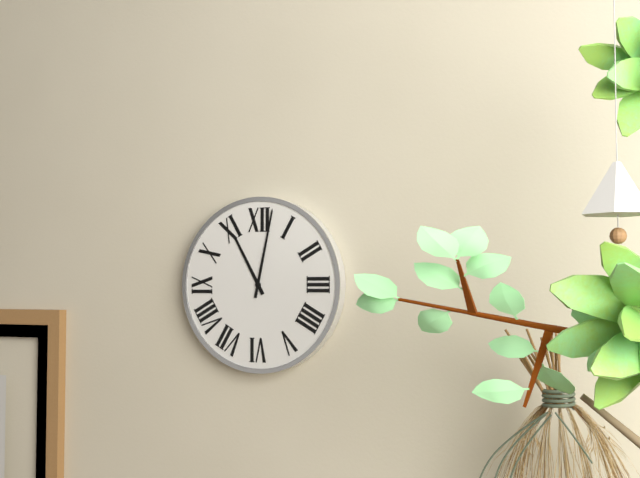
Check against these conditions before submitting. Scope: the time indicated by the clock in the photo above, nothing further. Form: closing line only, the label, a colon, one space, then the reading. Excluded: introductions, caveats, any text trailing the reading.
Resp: 11:02
